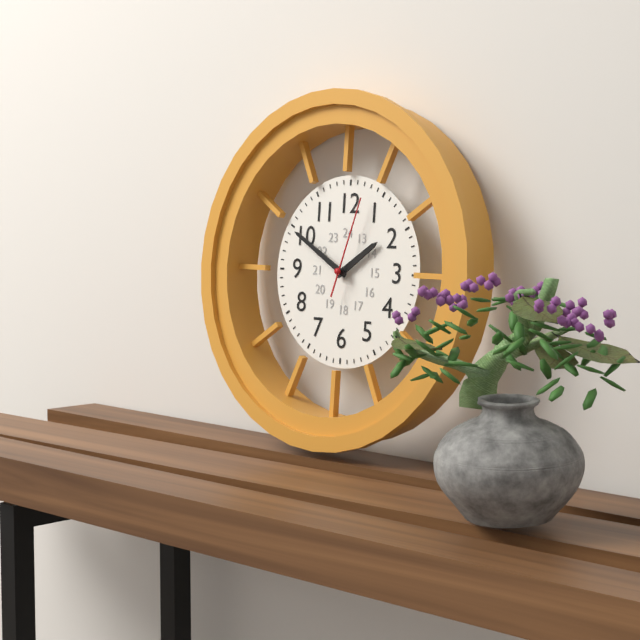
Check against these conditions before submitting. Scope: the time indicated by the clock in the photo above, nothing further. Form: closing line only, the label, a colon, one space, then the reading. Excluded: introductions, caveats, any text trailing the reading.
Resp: 1:50:03
